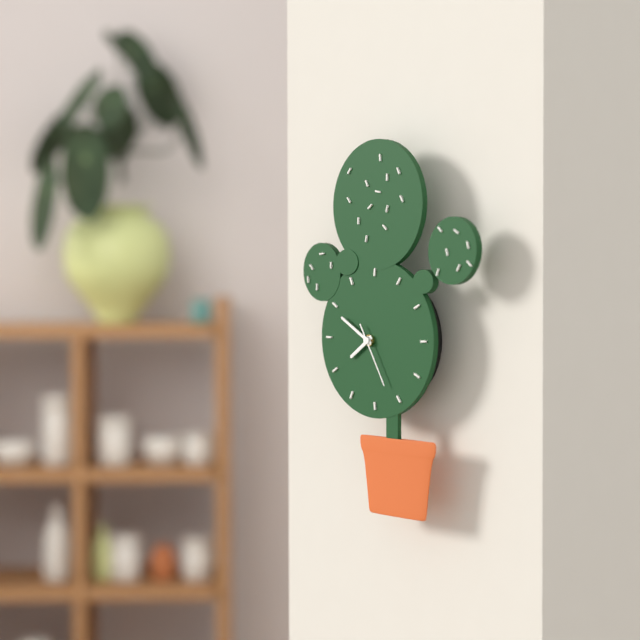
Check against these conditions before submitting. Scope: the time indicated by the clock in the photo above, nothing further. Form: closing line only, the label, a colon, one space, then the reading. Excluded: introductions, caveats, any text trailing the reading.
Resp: 7:50:25
